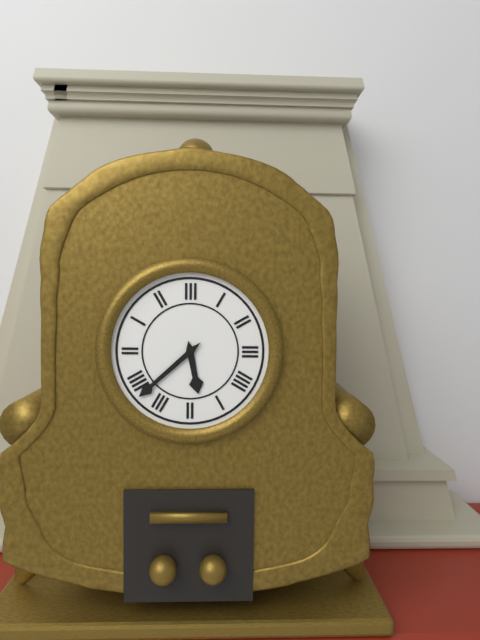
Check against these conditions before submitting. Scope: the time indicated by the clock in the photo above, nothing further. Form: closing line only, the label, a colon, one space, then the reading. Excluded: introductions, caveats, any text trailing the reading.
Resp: 5:38
